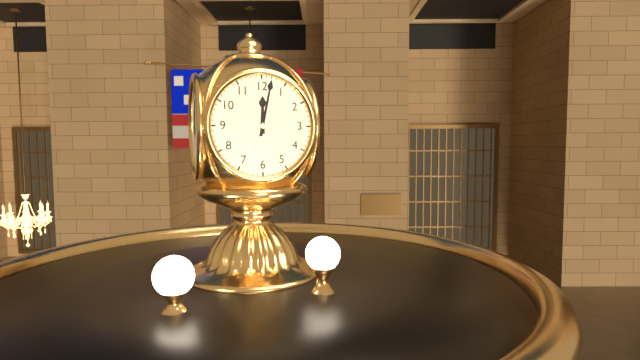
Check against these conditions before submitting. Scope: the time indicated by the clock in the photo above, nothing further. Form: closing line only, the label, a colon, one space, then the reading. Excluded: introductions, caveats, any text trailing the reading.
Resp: 12:02
